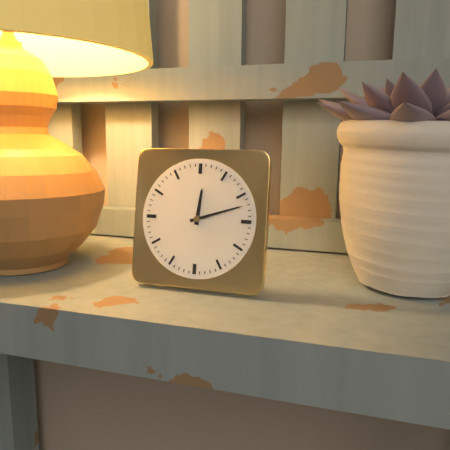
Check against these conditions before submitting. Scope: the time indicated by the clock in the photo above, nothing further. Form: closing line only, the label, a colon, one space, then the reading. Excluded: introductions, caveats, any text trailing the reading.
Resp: 12:12
